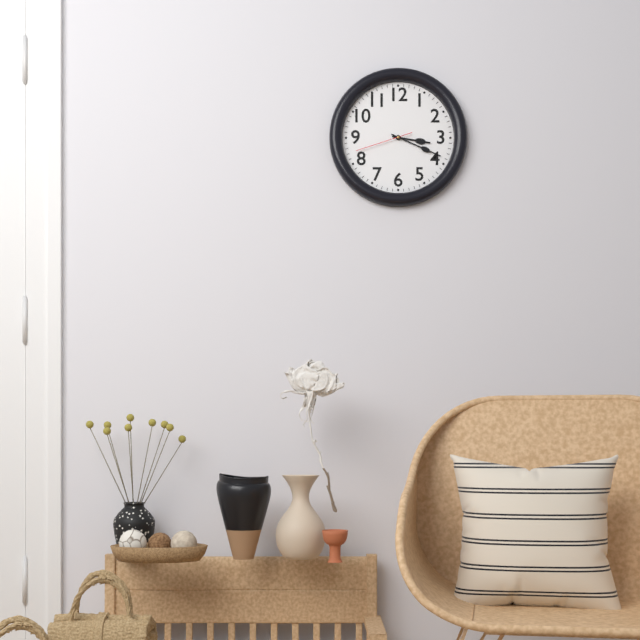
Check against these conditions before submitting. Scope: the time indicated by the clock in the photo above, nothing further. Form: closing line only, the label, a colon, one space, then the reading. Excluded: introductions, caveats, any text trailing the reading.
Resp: 3:19:42
